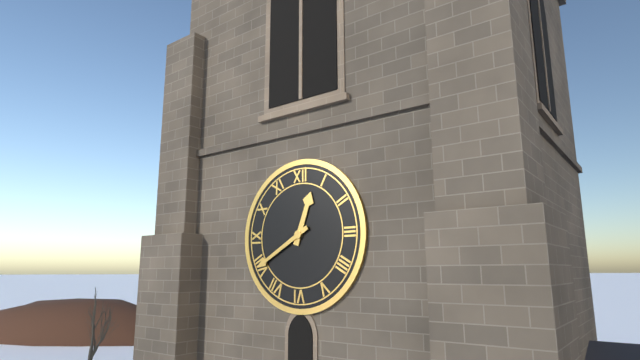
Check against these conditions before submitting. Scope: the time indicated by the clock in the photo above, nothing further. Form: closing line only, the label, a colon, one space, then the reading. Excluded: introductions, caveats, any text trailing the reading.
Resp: 12:40
